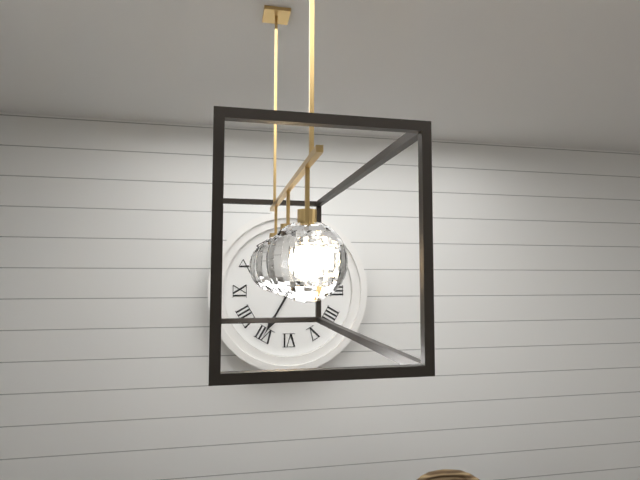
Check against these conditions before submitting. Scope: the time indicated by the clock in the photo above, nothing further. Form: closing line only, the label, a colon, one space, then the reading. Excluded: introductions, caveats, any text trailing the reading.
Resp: 1:35
